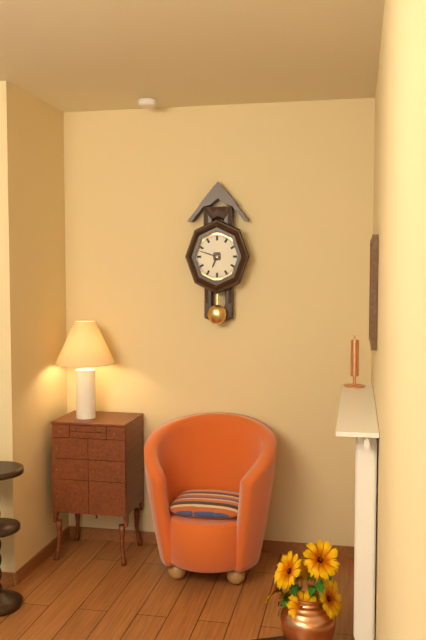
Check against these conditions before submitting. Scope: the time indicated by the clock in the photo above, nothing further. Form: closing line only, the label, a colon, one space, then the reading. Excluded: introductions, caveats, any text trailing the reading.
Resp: 6:48
